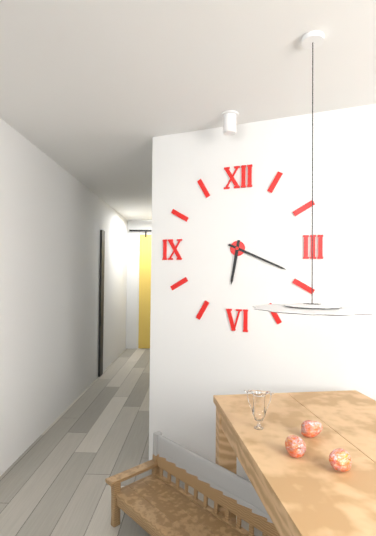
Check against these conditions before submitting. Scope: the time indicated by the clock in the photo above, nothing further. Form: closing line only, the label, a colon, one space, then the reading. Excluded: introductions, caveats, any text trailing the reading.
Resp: 6:19
